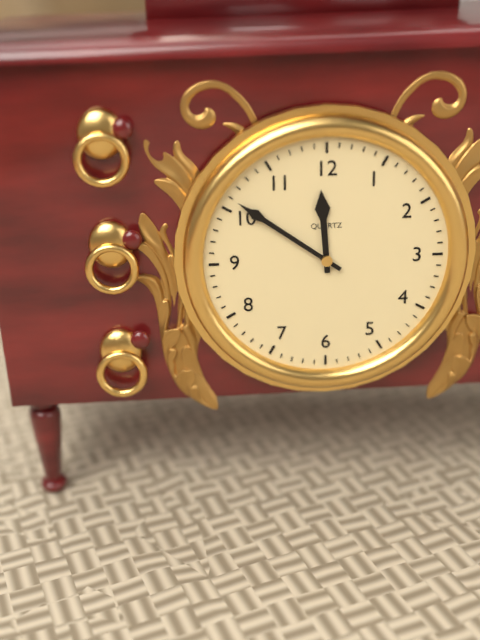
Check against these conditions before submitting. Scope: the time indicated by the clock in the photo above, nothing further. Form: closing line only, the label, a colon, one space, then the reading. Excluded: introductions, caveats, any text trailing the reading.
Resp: 11:51
